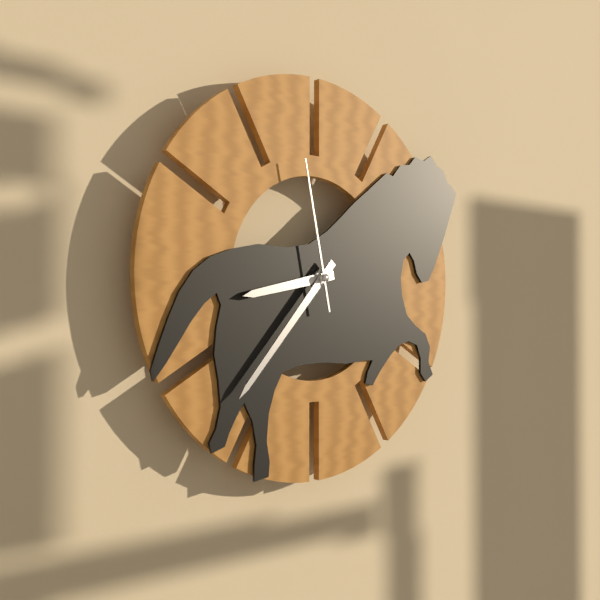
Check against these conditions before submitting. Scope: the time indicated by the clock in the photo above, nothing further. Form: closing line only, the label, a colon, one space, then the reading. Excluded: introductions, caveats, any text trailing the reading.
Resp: 8:37:58
